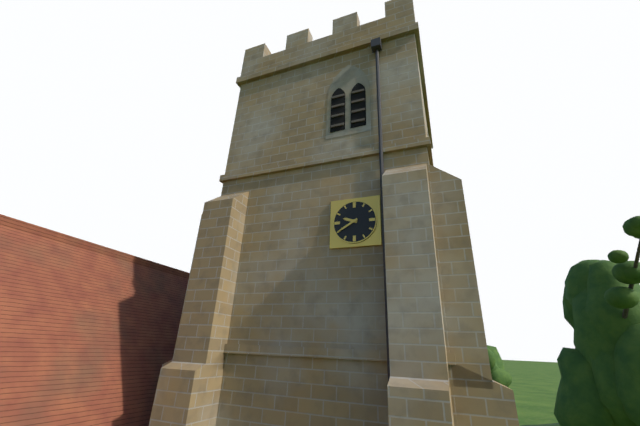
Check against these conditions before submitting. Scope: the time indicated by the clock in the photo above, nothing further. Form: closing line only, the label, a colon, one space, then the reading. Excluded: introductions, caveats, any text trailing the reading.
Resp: 9:40
